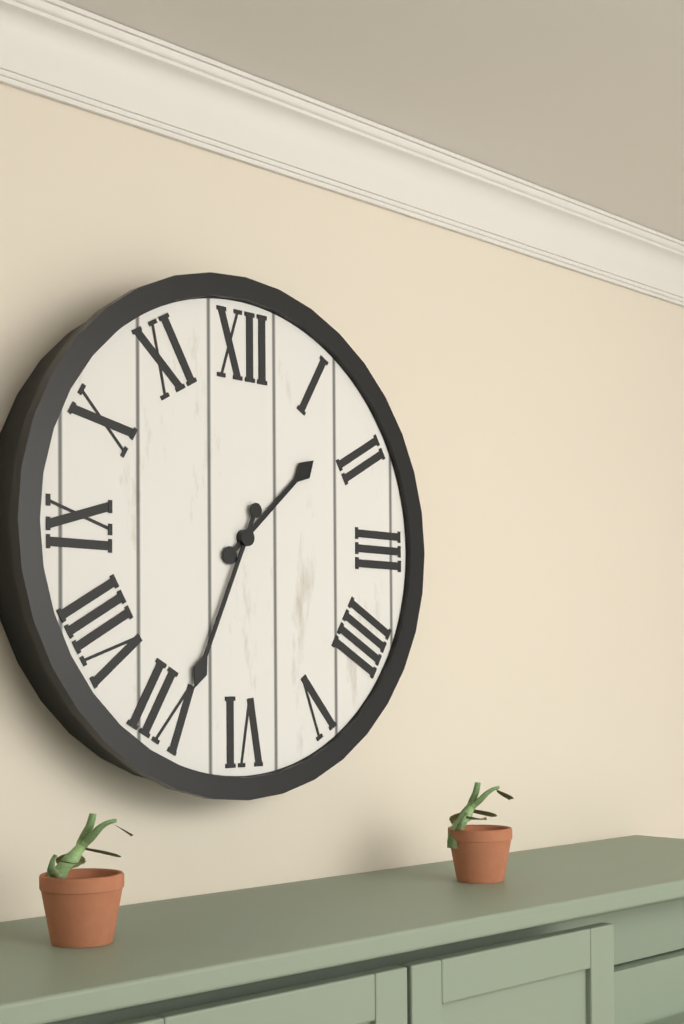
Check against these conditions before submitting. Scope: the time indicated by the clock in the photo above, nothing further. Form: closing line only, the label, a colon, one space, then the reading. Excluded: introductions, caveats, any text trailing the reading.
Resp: 1:34
